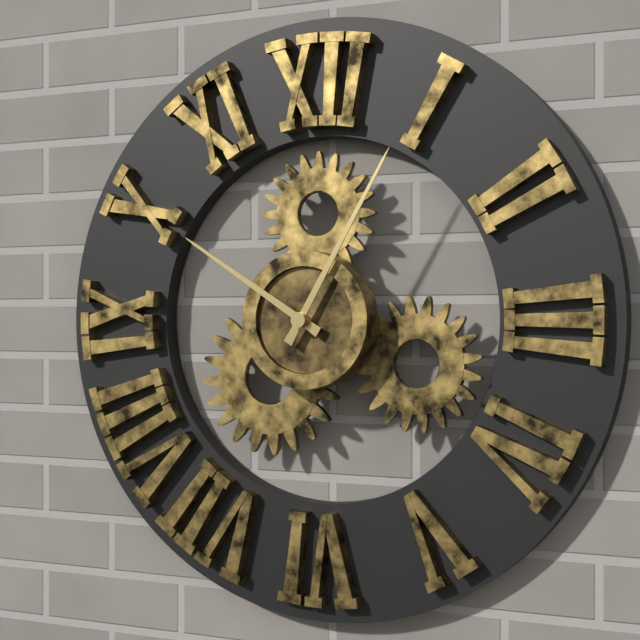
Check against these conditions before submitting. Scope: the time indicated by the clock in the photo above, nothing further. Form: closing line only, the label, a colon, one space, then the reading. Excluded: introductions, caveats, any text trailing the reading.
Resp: 10:05
